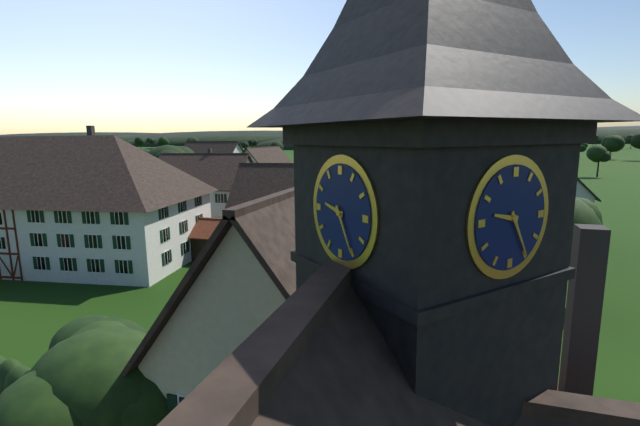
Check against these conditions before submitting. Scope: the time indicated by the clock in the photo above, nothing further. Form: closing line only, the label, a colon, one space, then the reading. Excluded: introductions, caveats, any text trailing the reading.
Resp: 9:25
